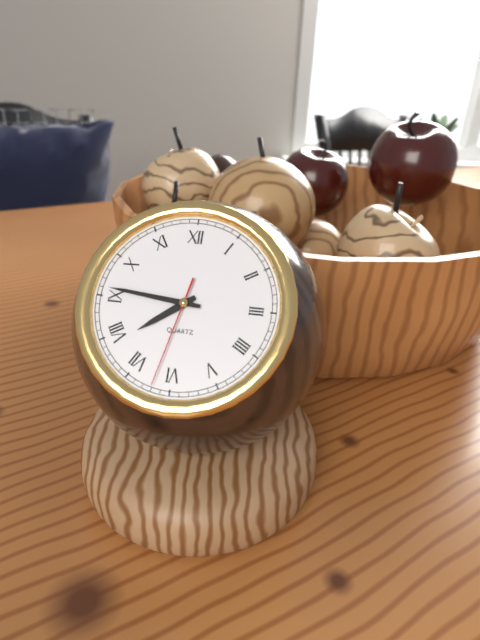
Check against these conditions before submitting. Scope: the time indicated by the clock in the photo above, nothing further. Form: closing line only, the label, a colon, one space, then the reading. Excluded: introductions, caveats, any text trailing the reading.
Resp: 7:46:32
